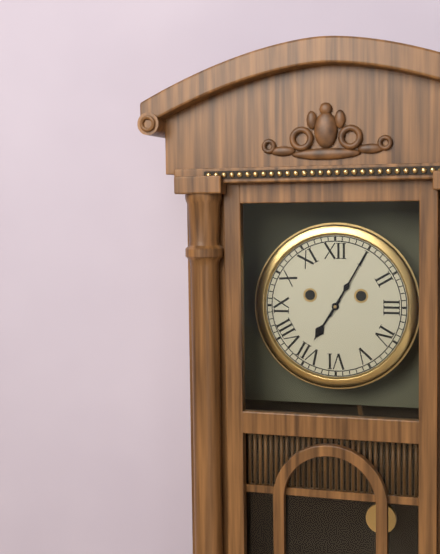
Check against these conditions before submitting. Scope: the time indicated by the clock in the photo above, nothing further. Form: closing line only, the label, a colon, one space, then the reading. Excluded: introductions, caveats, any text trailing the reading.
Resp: 7:05
